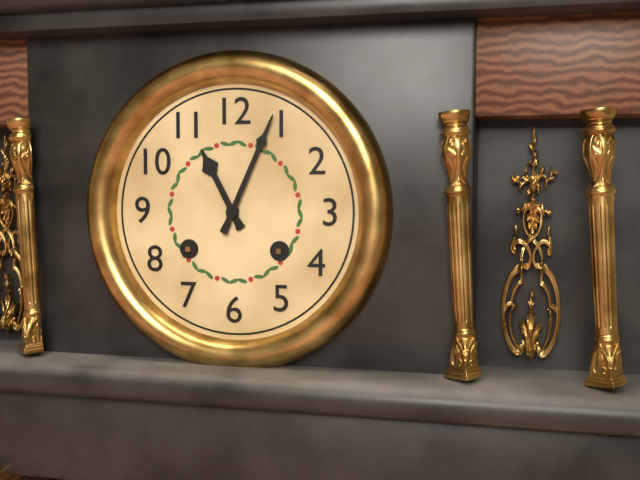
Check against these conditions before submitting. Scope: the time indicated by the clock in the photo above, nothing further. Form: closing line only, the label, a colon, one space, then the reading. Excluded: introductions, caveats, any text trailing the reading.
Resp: 11:04
